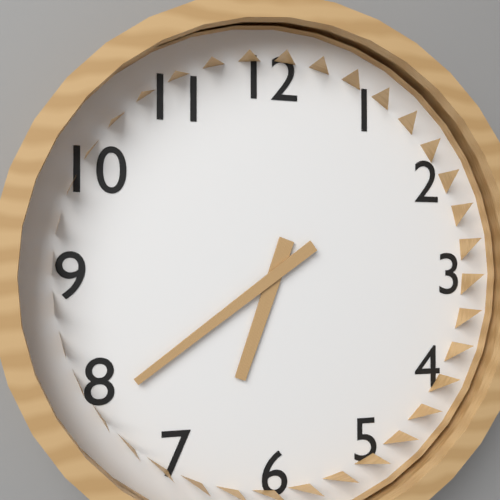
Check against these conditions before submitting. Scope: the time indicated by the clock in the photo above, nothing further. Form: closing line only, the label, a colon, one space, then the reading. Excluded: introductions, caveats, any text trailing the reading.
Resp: 6:39
